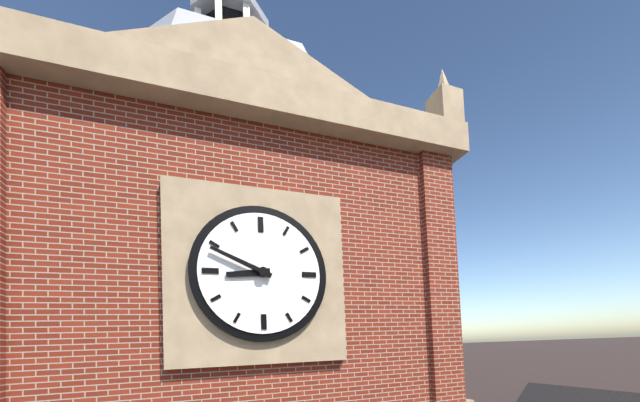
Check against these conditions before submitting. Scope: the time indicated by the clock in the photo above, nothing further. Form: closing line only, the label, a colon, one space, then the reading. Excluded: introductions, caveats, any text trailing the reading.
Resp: 8:49
